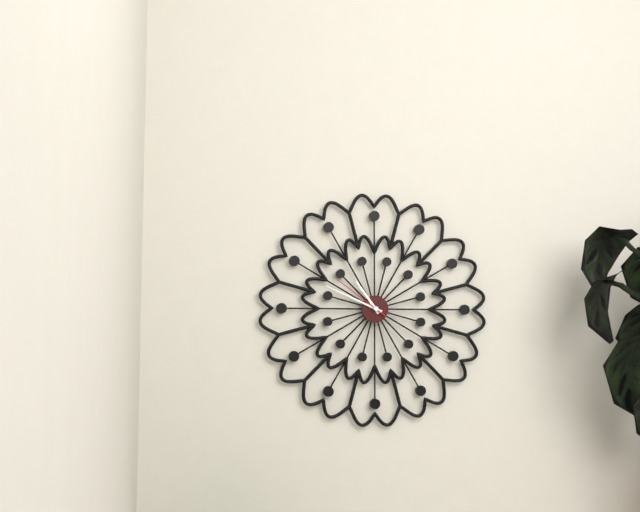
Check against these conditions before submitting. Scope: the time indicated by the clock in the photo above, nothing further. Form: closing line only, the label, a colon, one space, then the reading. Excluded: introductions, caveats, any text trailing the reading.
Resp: 10:49:51
